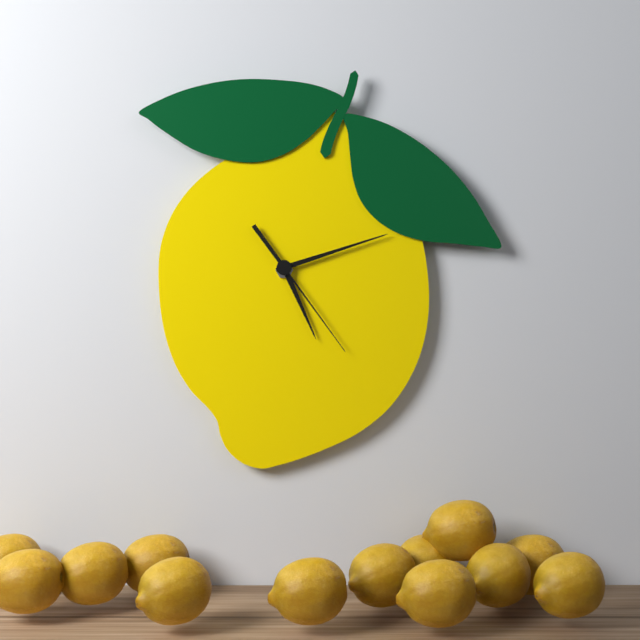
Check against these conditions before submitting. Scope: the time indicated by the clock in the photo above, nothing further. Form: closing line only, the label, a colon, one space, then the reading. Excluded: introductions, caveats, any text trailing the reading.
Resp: 5:12:24
